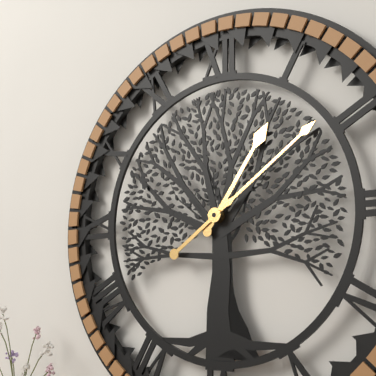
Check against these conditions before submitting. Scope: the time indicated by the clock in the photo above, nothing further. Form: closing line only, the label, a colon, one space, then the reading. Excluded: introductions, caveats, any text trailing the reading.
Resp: 1:09
